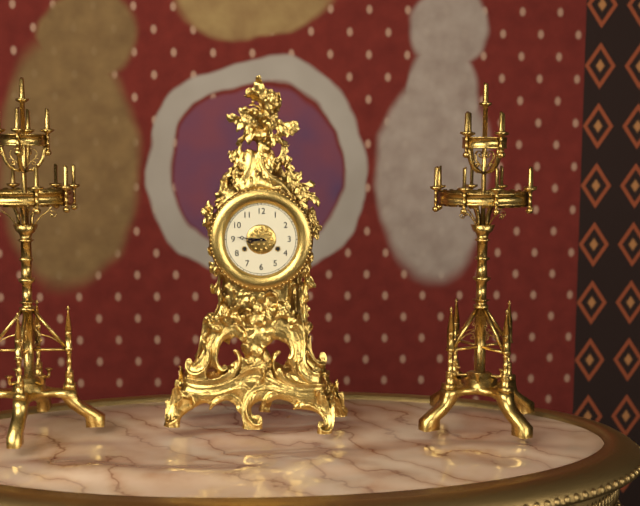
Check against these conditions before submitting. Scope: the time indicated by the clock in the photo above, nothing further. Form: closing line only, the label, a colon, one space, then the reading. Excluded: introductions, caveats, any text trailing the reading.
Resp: 8:46
